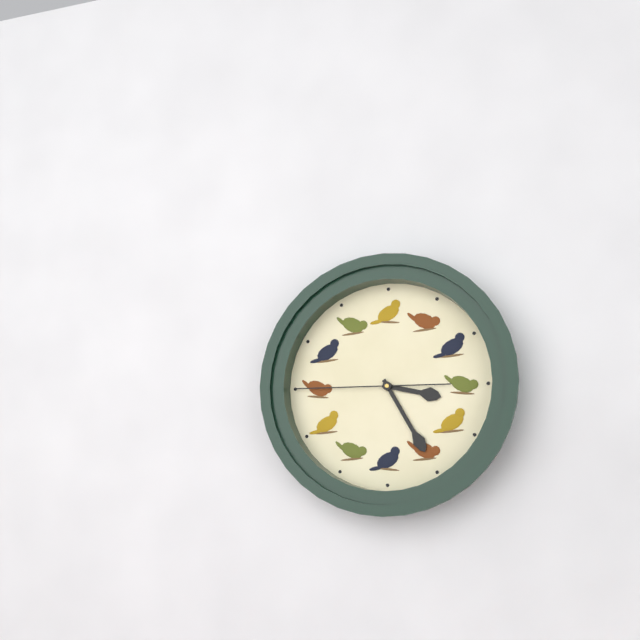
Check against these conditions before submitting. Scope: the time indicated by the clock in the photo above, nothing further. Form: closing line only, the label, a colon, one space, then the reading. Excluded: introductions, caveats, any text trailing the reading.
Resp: 3:25:45
